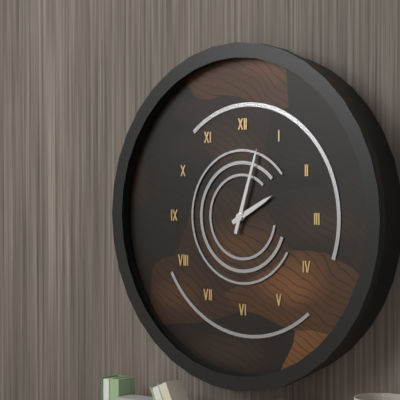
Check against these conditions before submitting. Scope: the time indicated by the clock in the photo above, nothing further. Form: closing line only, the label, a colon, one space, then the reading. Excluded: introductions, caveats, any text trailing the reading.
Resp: 2:03
